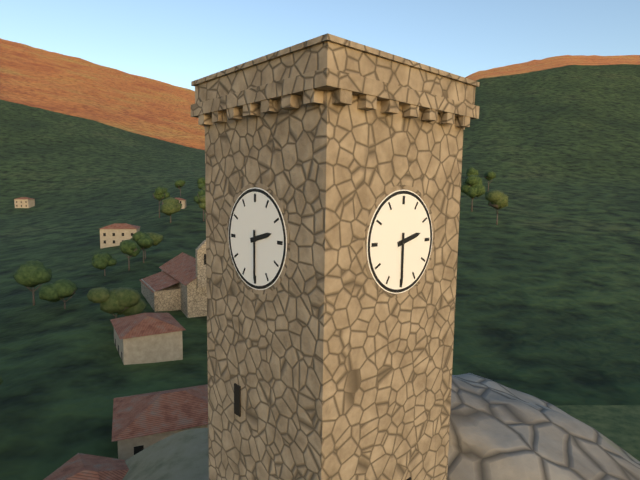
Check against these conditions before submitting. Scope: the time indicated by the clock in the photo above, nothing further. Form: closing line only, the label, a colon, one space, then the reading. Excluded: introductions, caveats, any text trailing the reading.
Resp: 2:30
